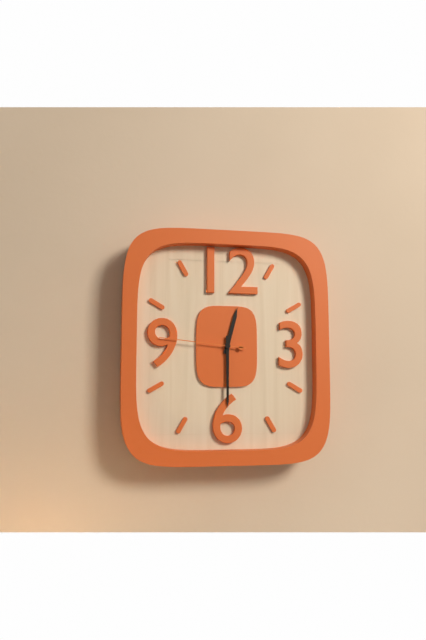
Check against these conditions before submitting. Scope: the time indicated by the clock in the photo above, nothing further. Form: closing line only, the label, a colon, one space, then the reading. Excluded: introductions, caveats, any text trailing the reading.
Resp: 12:30:46
